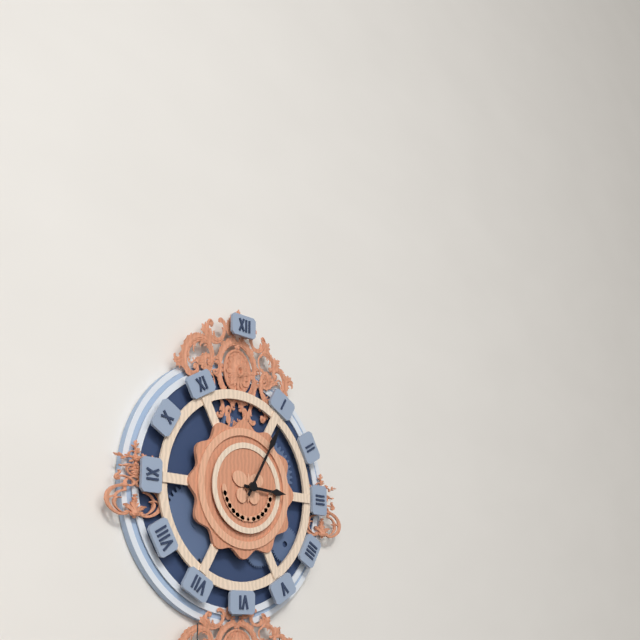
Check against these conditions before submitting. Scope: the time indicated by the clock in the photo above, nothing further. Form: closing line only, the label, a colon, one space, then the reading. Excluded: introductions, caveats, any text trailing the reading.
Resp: 3:05
